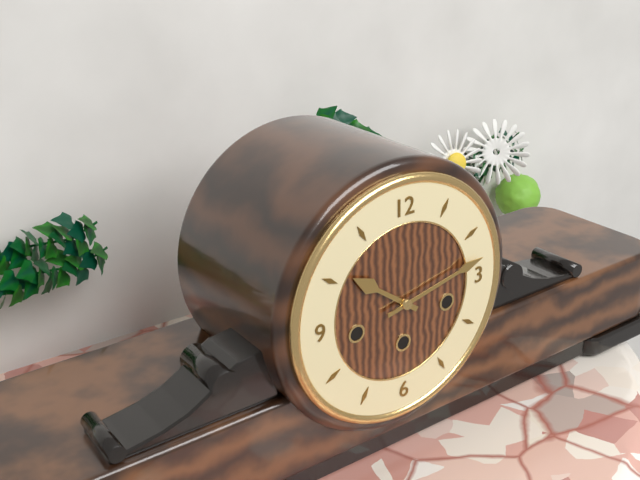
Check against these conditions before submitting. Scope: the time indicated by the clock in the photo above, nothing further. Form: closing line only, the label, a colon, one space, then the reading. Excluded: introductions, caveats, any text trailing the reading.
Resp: 10:13
